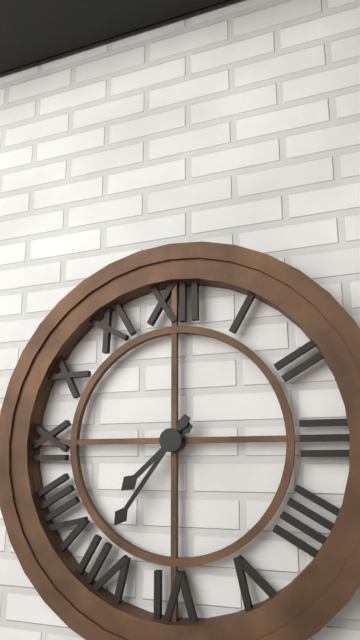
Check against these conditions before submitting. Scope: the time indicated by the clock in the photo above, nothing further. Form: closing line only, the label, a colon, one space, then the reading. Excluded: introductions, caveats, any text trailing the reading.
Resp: 7:36
